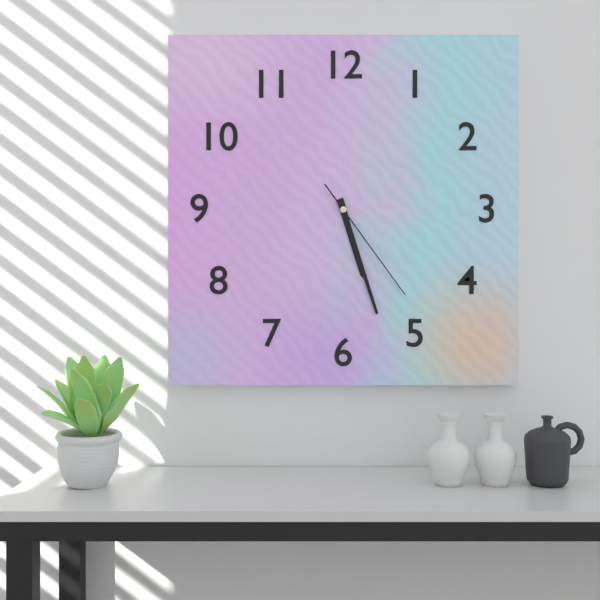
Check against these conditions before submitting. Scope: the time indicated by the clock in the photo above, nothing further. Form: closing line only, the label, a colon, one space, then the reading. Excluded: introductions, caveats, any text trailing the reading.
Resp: 5:27:24
